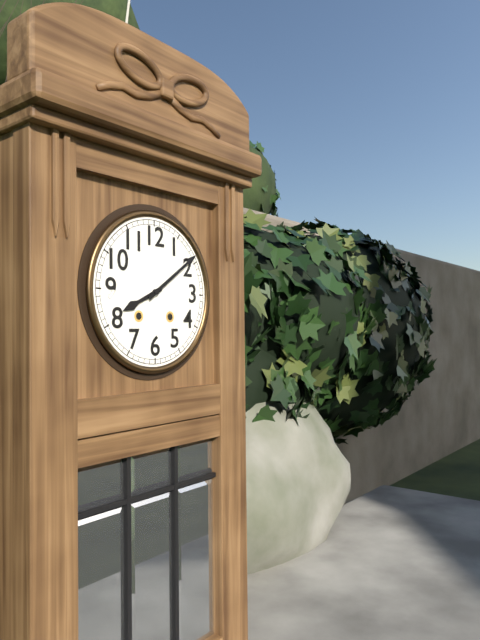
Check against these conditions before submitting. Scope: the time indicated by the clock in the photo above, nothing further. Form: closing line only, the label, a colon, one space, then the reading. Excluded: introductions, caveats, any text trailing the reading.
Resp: 8:09
